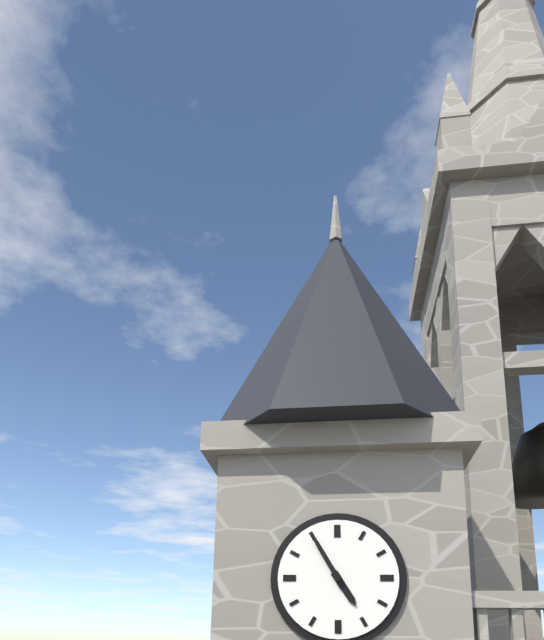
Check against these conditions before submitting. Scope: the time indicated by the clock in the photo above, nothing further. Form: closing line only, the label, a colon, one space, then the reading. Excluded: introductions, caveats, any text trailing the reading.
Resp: 4:55
